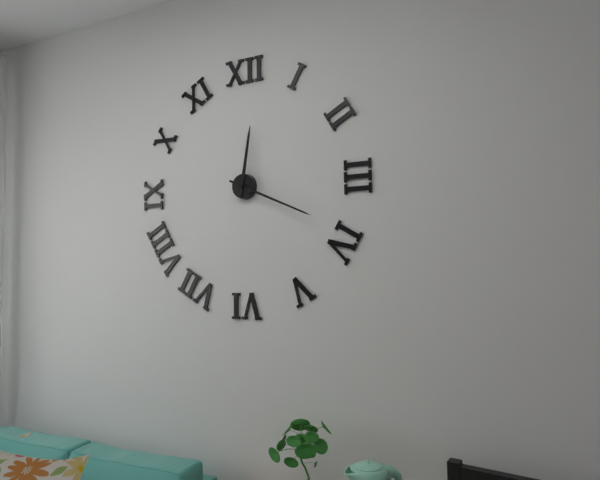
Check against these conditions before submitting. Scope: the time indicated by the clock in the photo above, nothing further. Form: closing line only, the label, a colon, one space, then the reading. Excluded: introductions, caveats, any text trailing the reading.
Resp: 12:19
